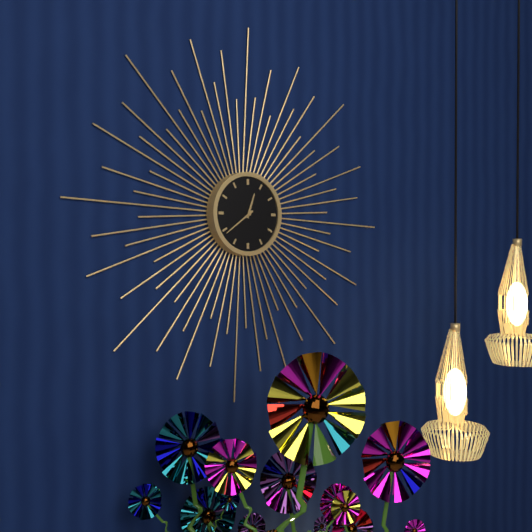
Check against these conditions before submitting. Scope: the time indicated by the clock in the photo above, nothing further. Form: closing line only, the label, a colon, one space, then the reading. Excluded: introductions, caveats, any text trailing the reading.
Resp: 12:39
